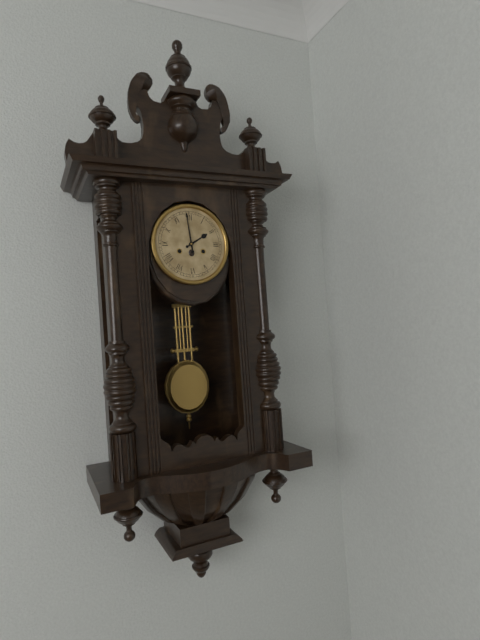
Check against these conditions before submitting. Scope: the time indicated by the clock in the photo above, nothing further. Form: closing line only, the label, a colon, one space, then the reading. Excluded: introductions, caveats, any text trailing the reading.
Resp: 1:59
